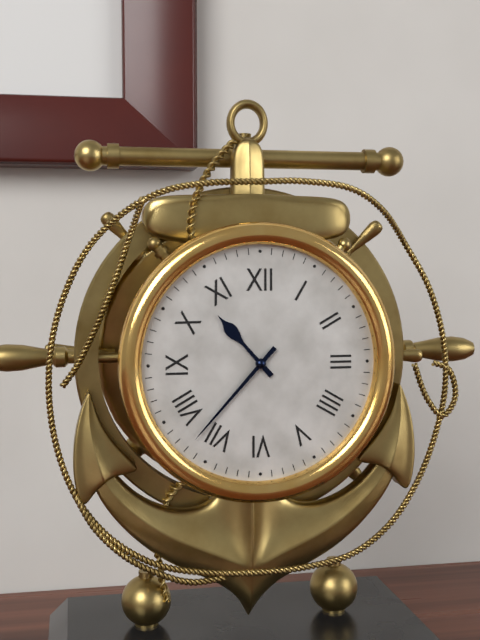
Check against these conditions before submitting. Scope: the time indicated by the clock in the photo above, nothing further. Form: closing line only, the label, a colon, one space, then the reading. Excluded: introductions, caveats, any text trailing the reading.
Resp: 10:37
